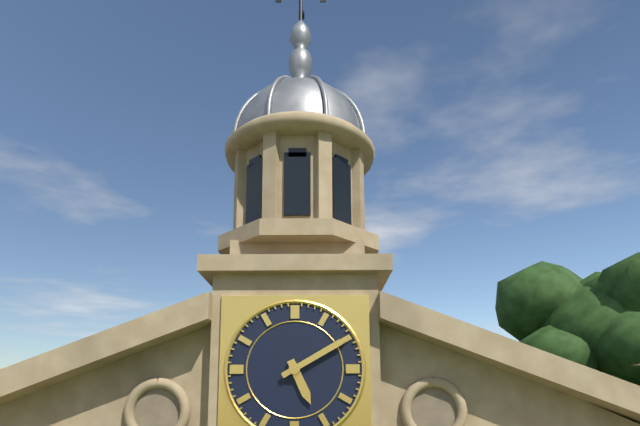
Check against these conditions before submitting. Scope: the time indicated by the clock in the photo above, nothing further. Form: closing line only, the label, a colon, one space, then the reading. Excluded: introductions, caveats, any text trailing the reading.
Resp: 5:10
